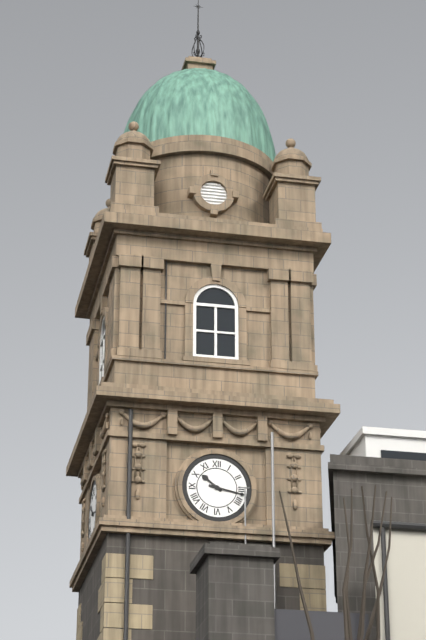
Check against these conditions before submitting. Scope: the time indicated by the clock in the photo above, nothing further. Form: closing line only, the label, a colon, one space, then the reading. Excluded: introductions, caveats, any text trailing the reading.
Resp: 10:17
